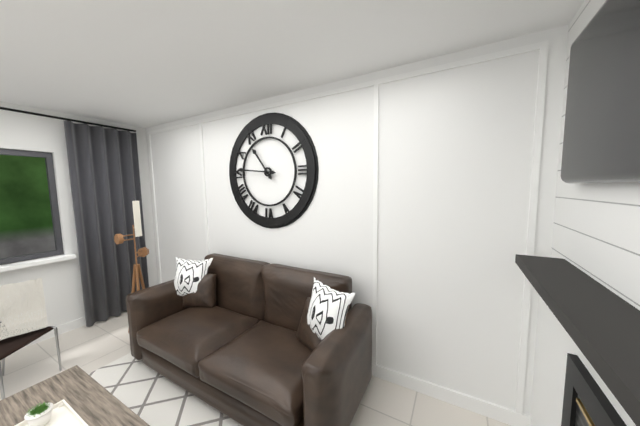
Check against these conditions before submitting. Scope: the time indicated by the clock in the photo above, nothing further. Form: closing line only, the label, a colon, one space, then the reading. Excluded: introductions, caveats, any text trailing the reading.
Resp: 10:46
